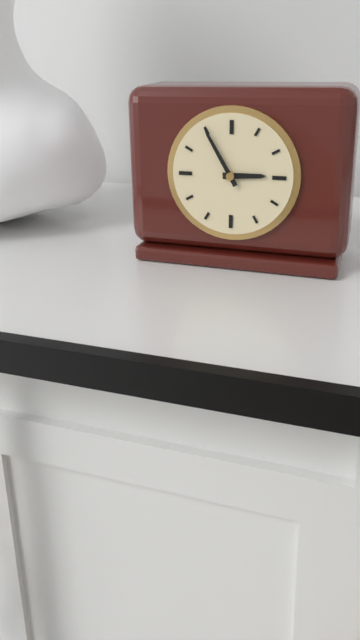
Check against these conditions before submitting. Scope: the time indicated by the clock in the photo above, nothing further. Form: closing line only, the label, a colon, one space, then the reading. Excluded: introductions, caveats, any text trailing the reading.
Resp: 2:55
